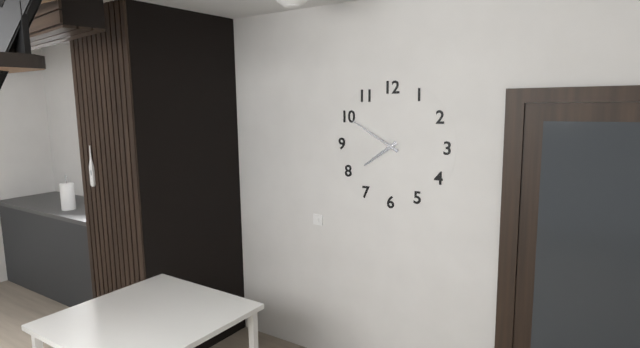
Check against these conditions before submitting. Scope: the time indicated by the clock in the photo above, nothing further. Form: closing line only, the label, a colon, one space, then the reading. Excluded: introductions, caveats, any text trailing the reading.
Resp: 7:50
